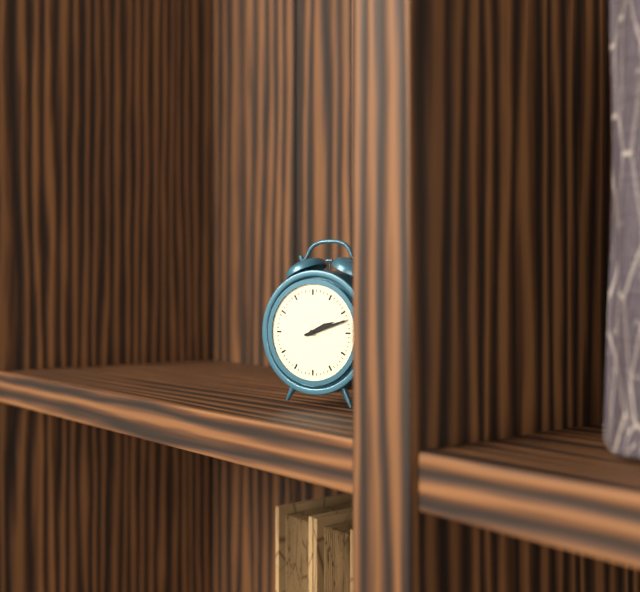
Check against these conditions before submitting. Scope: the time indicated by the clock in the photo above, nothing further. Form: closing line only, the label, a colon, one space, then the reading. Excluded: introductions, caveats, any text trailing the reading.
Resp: 2:12
